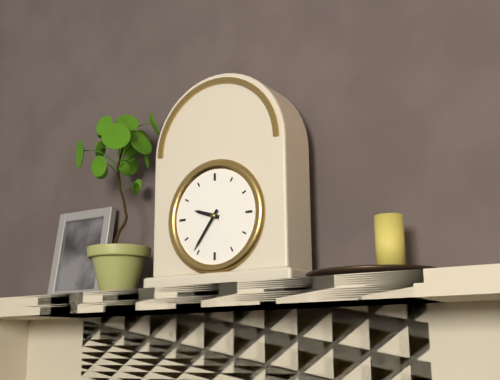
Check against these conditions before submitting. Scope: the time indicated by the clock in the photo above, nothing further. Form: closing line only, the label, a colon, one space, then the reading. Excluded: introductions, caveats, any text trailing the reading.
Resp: 9:36
